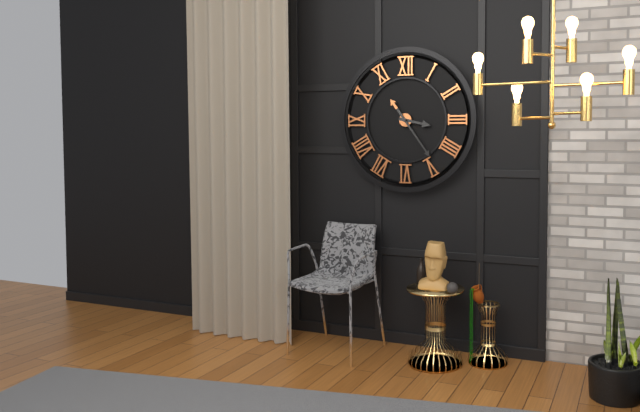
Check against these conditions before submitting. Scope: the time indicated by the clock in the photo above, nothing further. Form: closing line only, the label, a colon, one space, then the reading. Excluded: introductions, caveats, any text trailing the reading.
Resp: 3:24
